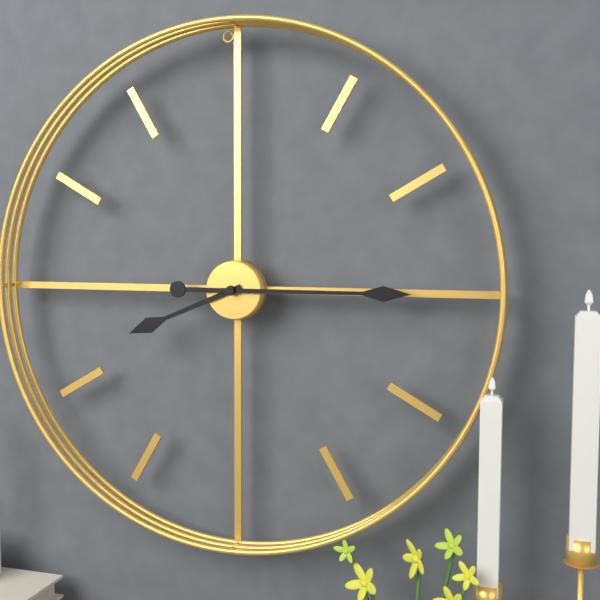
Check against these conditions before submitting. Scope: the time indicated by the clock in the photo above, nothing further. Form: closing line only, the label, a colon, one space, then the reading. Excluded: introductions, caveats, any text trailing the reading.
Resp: 8:15
